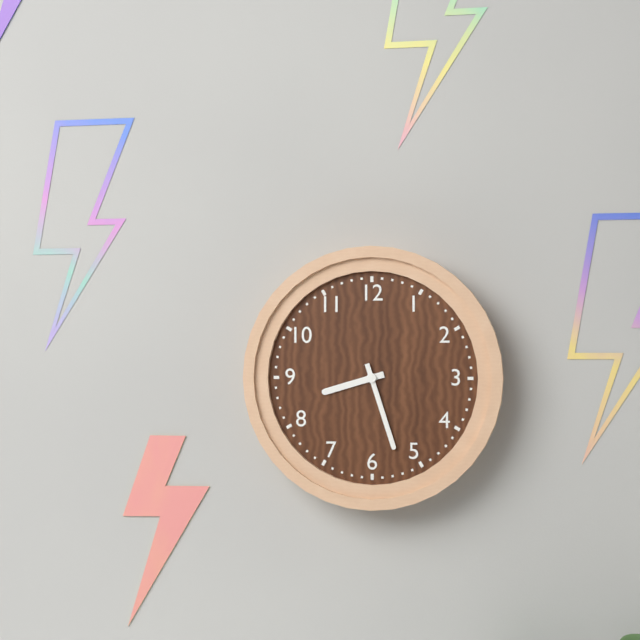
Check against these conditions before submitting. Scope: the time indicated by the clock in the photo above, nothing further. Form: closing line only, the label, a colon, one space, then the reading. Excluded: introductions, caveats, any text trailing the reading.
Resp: 8:27
